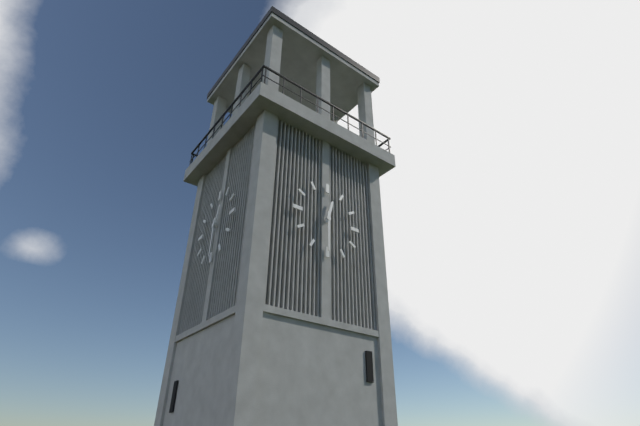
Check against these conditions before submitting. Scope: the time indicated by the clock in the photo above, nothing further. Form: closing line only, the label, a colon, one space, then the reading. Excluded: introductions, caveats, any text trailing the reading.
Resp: 12:30
